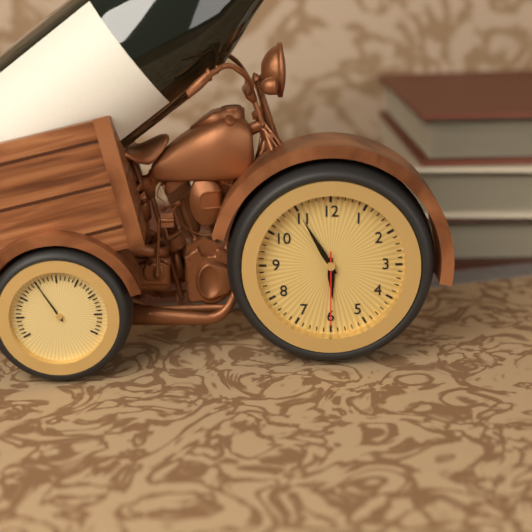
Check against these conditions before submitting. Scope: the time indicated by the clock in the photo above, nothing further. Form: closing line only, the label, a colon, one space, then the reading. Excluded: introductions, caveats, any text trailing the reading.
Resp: 5:55:30
